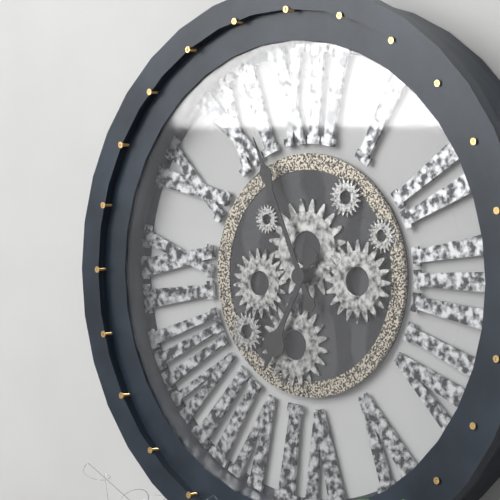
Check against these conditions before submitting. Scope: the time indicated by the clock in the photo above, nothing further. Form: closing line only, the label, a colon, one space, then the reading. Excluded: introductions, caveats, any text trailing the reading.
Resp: 6:56
